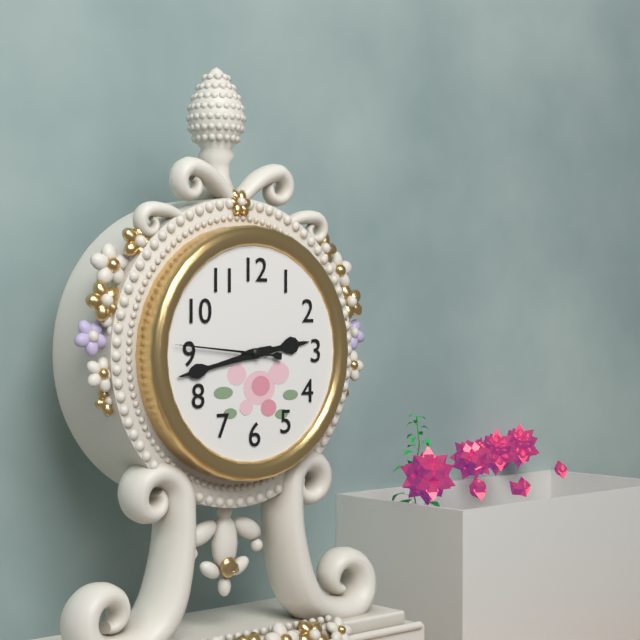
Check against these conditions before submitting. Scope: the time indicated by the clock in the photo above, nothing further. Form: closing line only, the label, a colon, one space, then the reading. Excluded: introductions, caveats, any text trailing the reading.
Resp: 2:43:46
